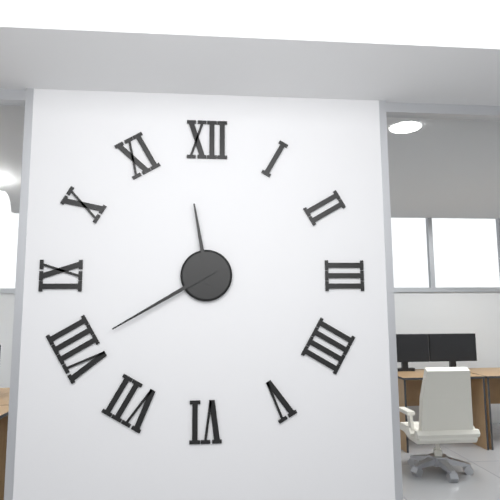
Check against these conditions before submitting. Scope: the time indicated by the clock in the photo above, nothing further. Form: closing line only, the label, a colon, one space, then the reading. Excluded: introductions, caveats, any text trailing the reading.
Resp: 11:40
